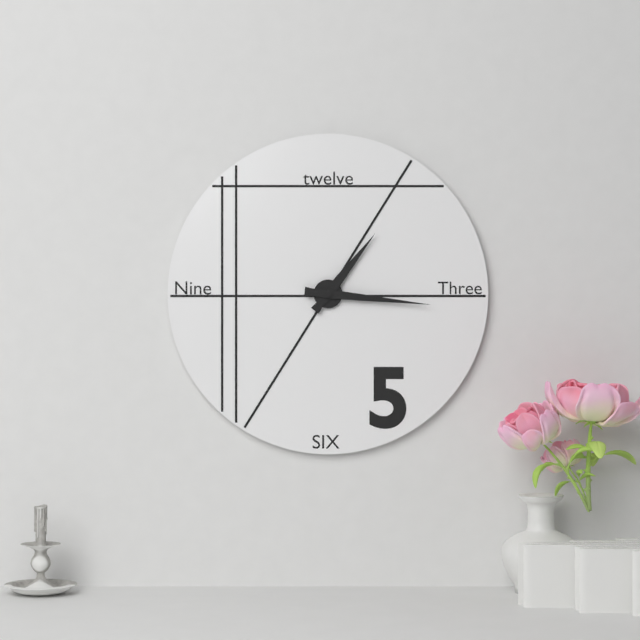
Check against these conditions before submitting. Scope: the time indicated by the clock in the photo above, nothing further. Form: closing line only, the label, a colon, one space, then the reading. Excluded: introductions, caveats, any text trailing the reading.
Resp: 1:16
